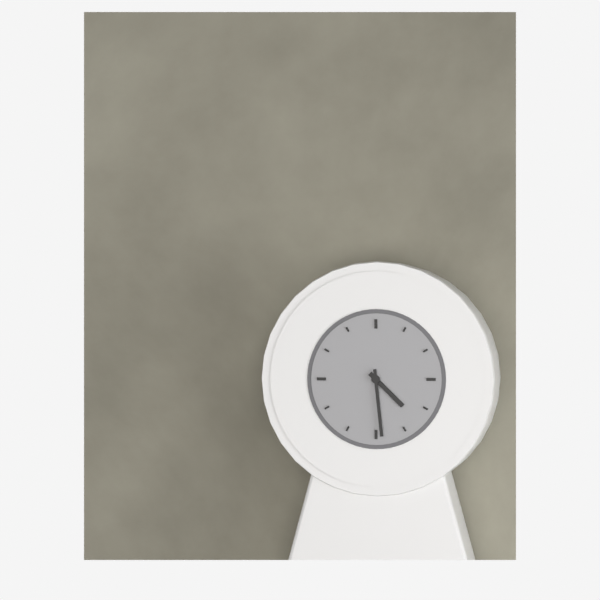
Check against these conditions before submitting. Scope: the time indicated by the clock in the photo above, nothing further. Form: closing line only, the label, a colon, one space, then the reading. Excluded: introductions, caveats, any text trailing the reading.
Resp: 4:29
